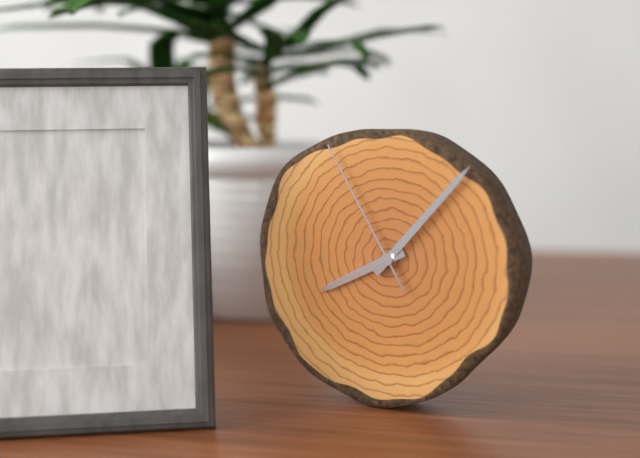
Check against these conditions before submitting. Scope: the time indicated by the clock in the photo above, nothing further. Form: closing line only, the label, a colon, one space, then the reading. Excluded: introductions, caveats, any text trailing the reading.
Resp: 8:07:55
